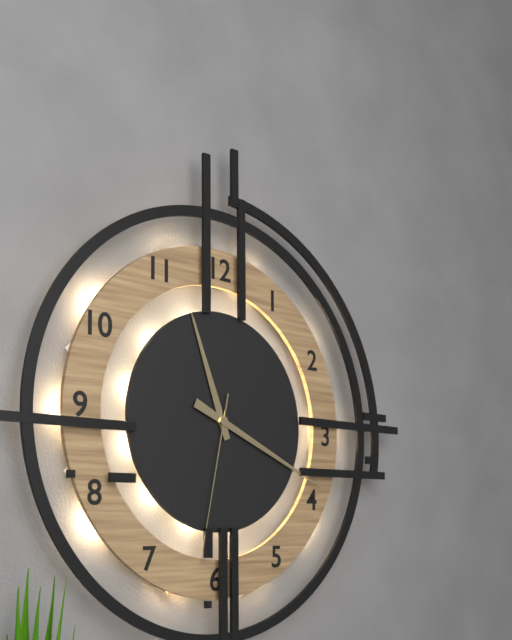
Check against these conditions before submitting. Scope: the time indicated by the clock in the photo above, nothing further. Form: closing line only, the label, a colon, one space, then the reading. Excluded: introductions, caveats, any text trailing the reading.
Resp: 11:19:32
